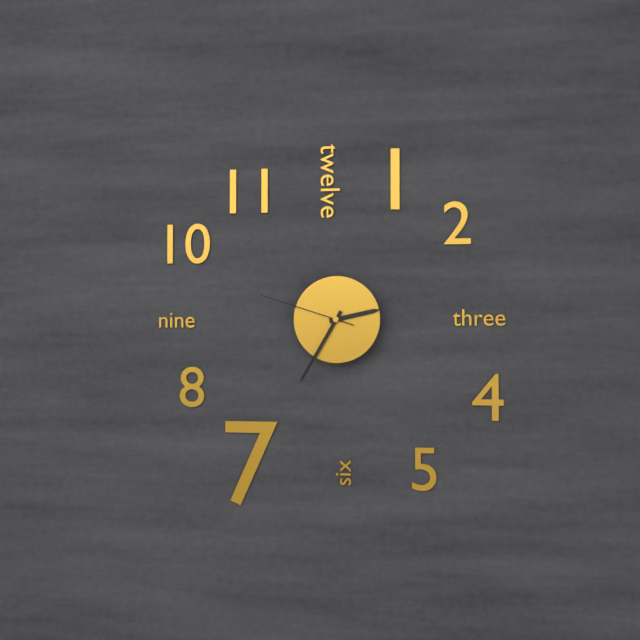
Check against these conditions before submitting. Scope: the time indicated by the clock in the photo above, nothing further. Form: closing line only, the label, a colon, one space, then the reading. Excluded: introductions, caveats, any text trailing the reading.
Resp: 2:35:48
